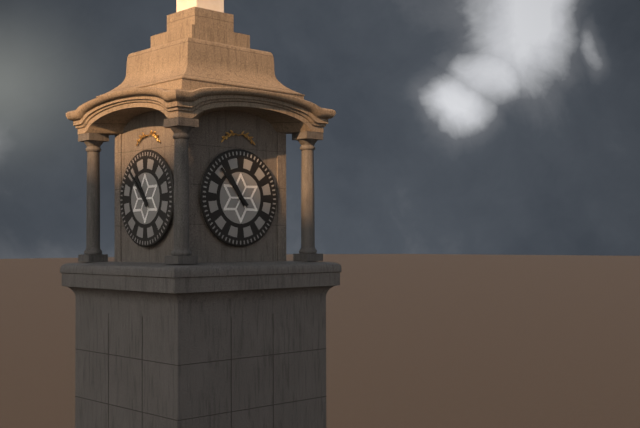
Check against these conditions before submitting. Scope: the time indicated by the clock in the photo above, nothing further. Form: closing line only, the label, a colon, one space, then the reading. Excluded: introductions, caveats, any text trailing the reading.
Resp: 10:53
